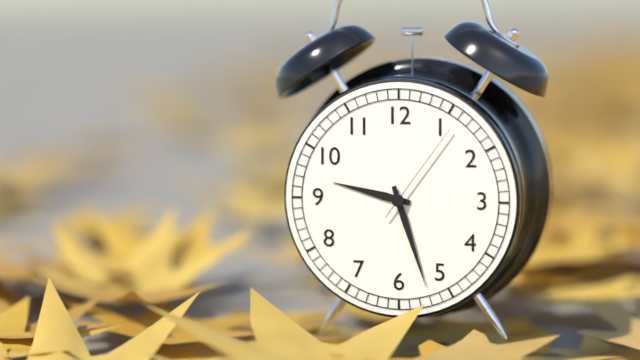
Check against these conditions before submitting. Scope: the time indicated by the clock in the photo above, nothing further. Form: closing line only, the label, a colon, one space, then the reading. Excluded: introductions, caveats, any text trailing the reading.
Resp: 9:27:06
